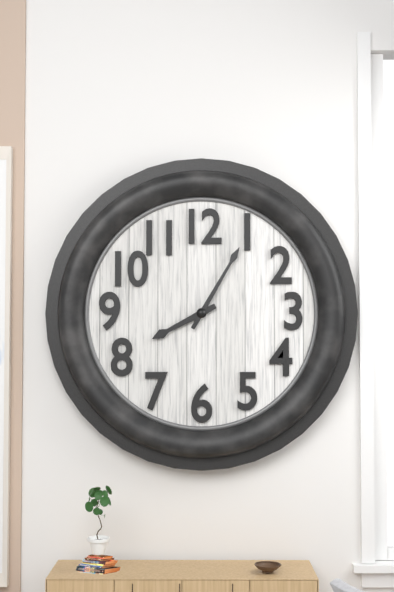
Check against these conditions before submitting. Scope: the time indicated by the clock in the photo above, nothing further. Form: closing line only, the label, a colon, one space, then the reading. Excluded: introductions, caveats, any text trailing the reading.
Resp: 8:05
